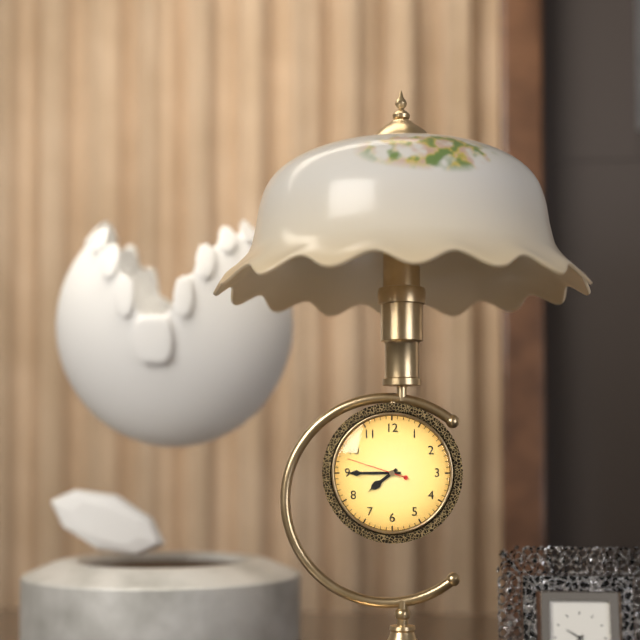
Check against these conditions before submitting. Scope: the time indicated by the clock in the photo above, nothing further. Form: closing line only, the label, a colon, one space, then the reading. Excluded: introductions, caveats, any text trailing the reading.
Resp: 7:45:48
